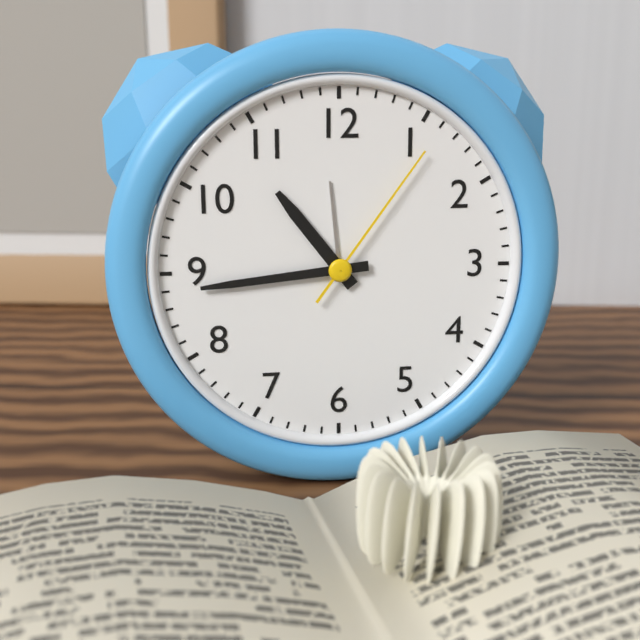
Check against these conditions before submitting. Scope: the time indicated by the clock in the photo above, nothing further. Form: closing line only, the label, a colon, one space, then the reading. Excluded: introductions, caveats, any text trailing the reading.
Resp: 10:44:06
